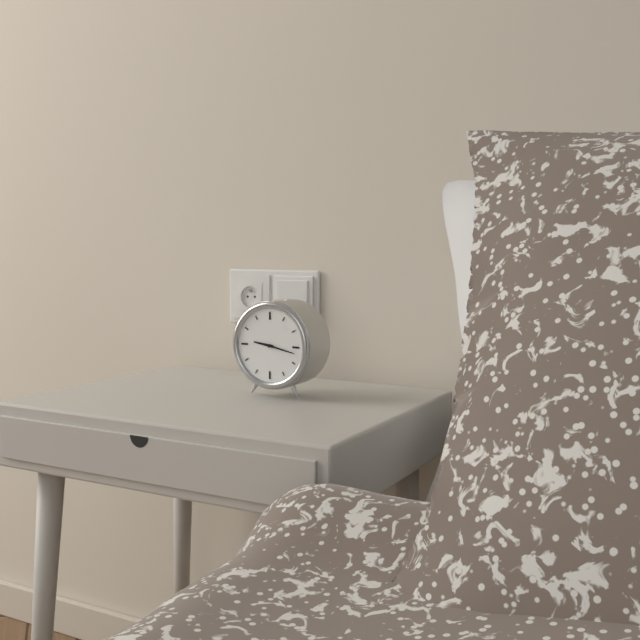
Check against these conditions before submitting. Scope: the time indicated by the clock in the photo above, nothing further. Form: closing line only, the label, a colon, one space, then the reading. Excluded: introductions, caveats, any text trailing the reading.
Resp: 9:17
